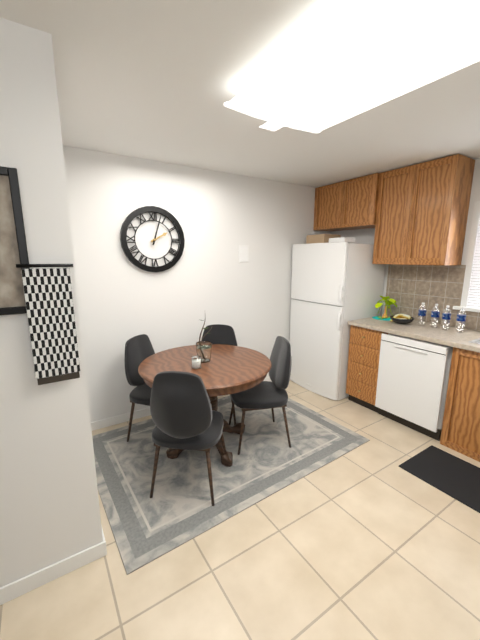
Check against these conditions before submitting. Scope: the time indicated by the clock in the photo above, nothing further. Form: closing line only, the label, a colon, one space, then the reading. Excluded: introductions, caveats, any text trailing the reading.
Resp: 2:03
